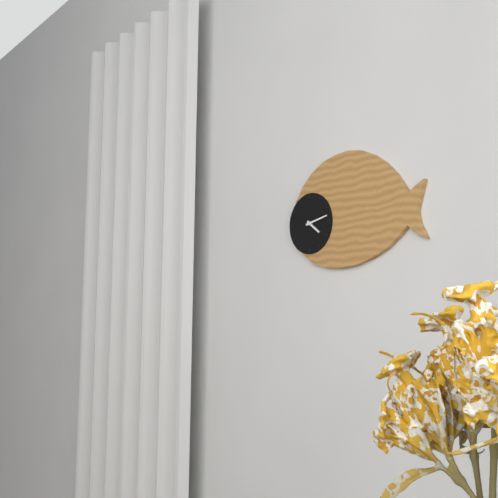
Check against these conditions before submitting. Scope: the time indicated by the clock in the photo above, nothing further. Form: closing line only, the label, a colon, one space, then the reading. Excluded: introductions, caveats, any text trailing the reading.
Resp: 4:13
